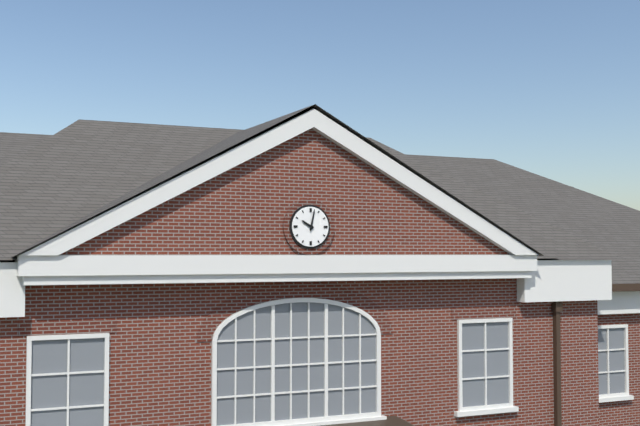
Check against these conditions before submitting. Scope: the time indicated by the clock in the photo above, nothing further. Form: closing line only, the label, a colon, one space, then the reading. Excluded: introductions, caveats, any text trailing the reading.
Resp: 10:02
